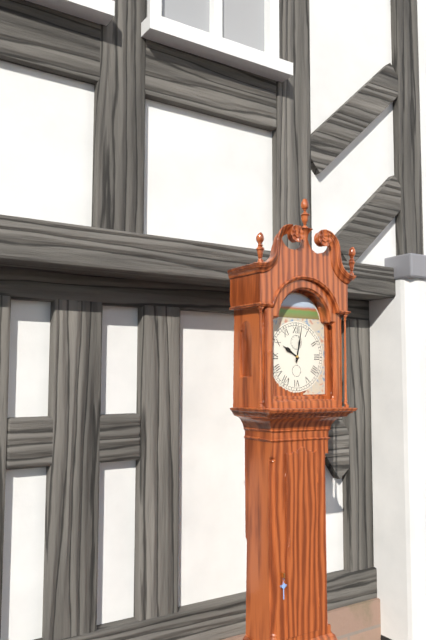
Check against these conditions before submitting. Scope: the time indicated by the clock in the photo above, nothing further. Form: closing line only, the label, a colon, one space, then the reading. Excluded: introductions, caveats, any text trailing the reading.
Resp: 10:02
